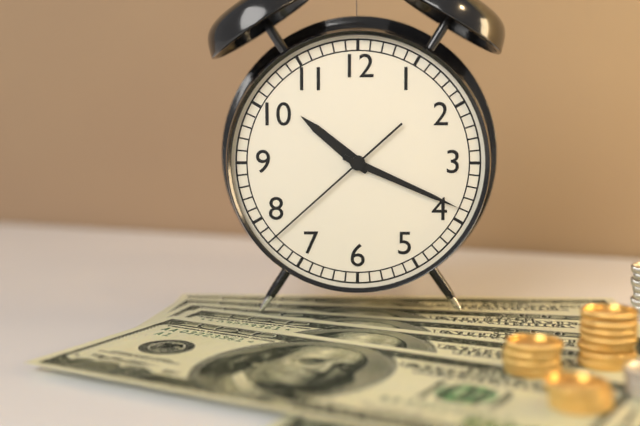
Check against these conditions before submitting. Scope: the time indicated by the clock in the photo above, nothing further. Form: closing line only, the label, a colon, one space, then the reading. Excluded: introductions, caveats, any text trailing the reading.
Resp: 10:19:38
